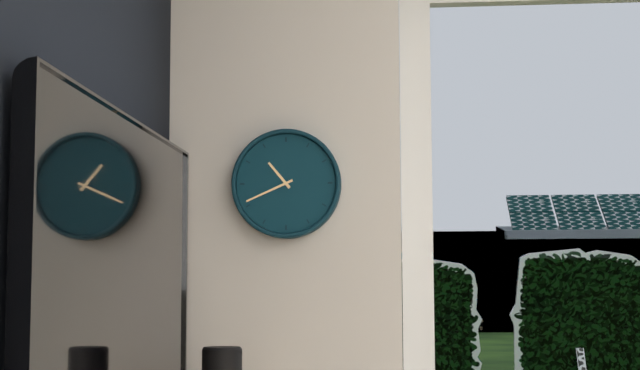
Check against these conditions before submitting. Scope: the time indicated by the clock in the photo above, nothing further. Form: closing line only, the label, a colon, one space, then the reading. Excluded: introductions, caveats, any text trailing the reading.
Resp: 10:41
